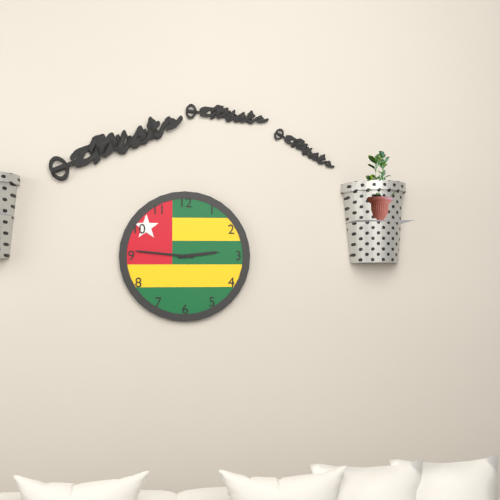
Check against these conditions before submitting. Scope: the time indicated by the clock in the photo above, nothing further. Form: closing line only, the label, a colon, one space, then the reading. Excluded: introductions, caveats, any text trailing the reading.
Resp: 2:46
